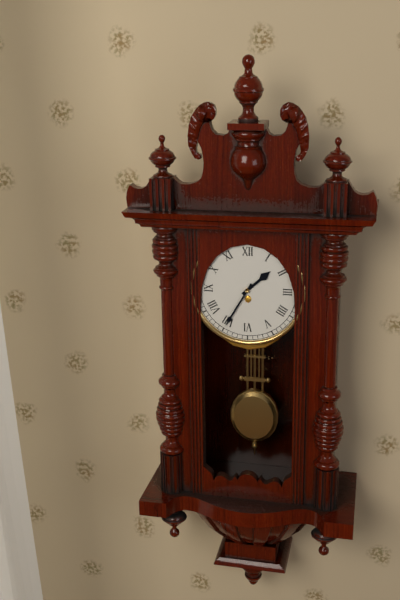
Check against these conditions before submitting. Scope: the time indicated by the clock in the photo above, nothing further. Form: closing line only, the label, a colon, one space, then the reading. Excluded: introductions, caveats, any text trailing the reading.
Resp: 1:35
